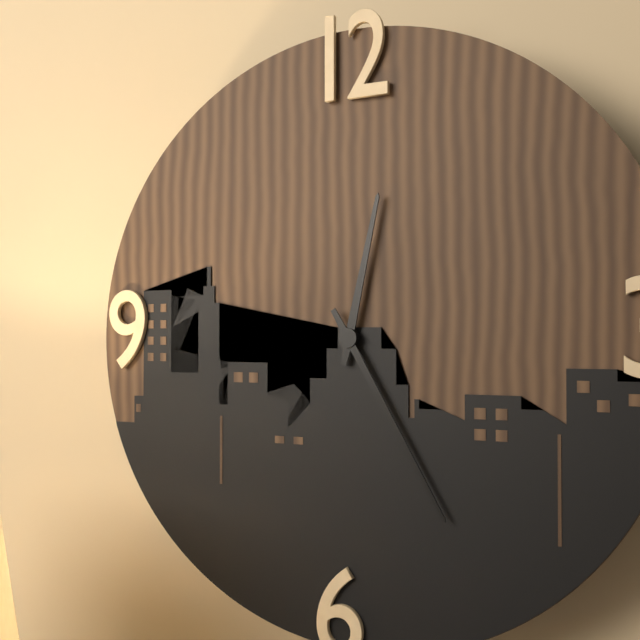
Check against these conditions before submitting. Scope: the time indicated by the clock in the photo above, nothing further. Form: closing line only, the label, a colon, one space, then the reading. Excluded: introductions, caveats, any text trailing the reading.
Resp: 12:25
